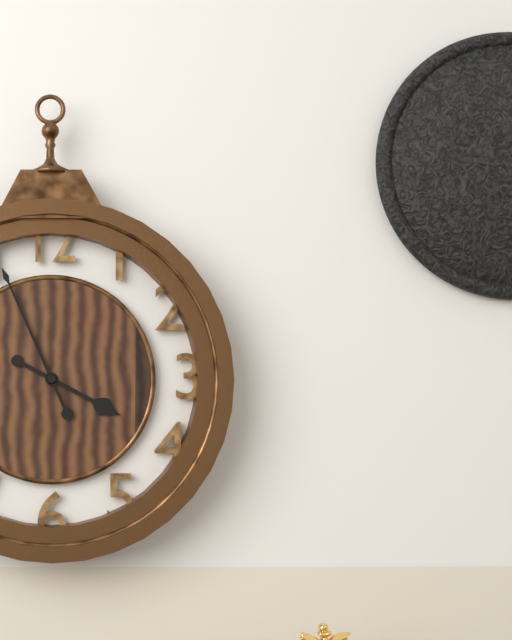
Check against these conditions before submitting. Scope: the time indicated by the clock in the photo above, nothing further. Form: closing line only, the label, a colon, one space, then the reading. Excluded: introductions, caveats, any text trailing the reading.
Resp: 3:56
